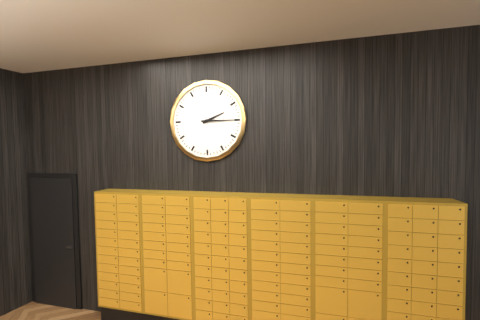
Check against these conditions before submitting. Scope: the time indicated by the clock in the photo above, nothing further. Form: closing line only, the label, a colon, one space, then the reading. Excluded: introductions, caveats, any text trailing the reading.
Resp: 2:15
